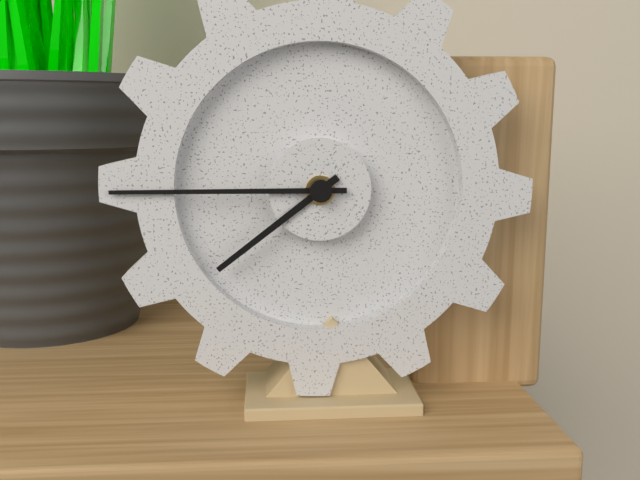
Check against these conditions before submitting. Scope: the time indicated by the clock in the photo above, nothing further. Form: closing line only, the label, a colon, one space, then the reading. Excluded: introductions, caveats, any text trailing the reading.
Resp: 7:45
